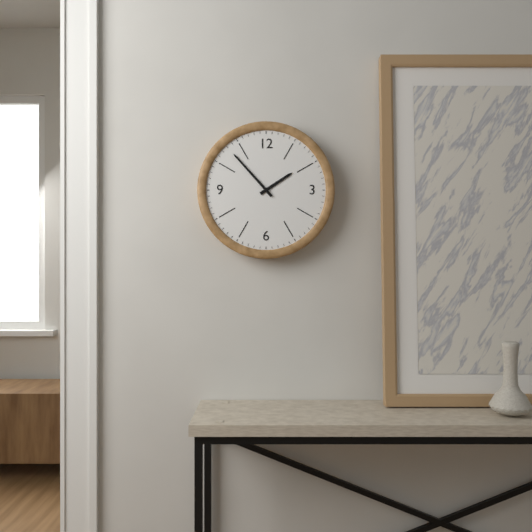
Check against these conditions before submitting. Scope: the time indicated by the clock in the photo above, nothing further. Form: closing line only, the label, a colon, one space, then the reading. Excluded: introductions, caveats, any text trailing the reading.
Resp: 1:53
